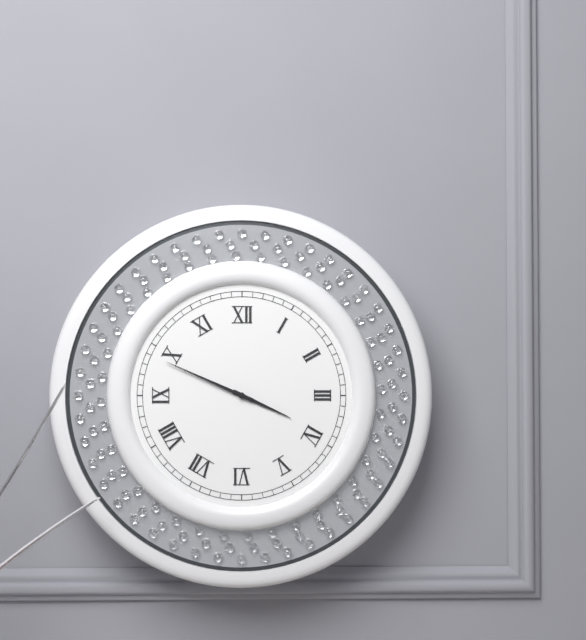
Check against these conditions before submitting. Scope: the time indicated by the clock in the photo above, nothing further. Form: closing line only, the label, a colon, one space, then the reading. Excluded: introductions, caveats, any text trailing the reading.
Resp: 3:49
